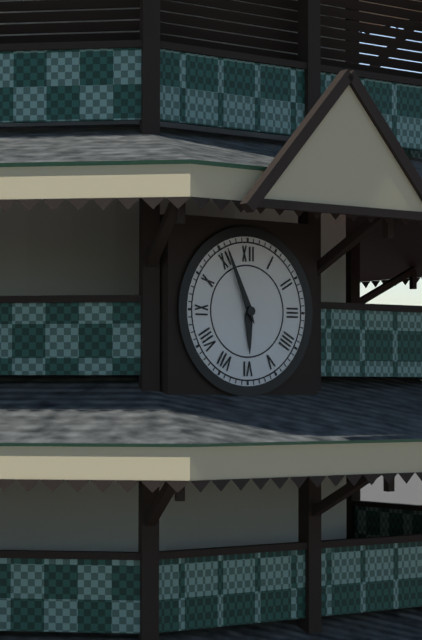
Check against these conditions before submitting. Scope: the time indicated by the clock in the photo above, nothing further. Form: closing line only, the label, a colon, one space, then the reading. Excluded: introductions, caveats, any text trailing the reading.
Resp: 5:56
